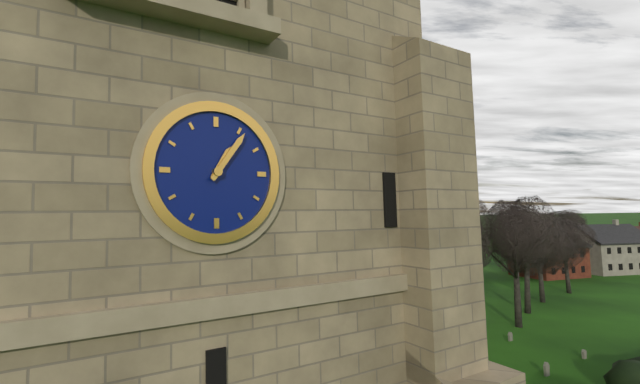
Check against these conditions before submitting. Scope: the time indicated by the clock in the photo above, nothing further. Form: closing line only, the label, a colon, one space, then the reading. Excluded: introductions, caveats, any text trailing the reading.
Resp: 1:06
